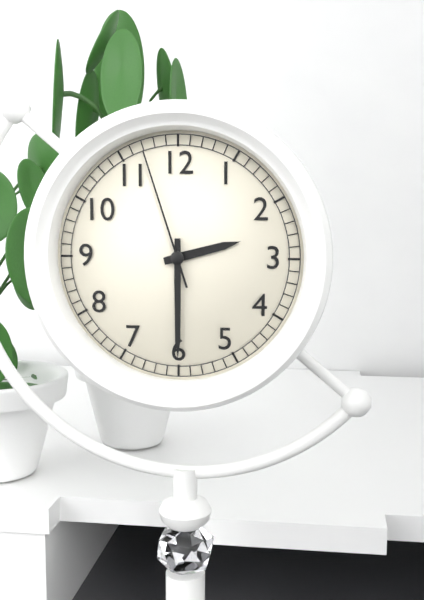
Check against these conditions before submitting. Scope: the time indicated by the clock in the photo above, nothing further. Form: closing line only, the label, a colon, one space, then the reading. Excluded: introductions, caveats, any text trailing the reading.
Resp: 2:30:57
